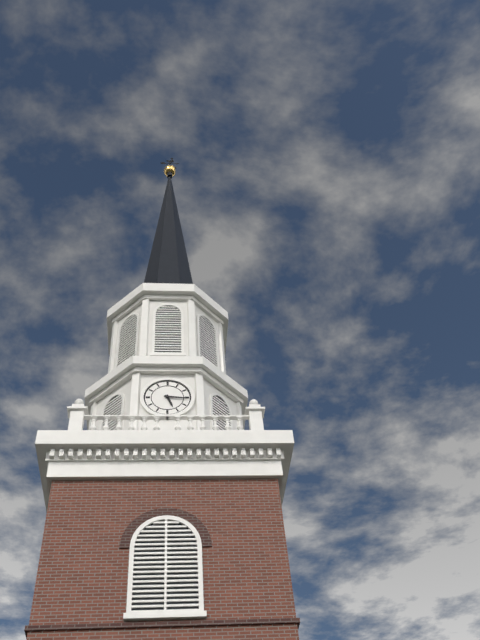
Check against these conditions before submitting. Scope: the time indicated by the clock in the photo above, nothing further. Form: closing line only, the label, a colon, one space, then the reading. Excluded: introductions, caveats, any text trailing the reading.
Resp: 5:16
